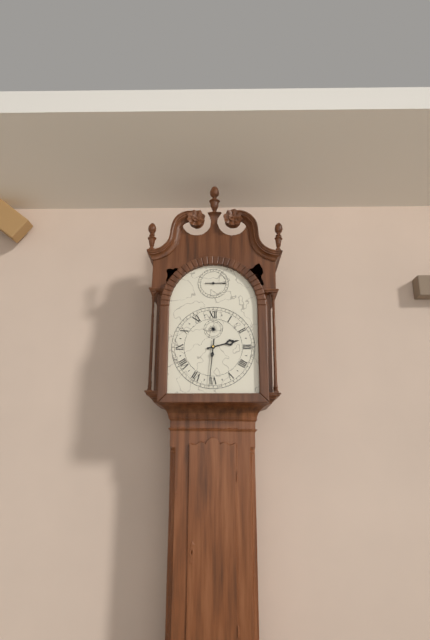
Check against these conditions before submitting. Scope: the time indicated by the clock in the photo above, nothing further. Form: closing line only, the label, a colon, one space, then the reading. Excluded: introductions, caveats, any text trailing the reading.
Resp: 2:31
